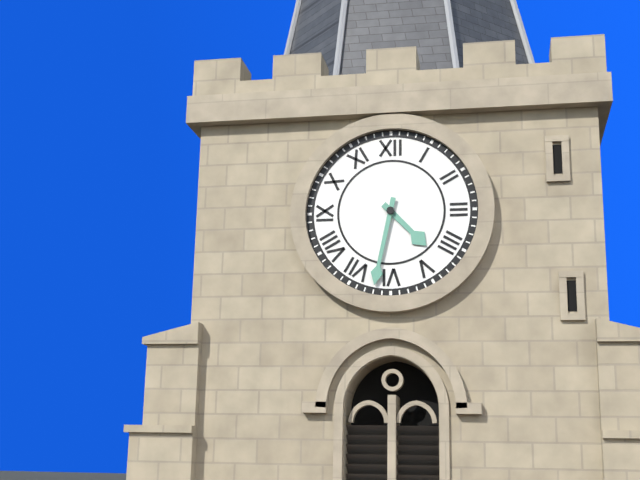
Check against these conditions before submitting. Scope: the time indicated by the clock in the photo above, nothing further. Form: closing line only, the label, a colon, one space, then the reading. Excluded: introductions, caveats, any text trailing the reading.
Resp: 4:32
